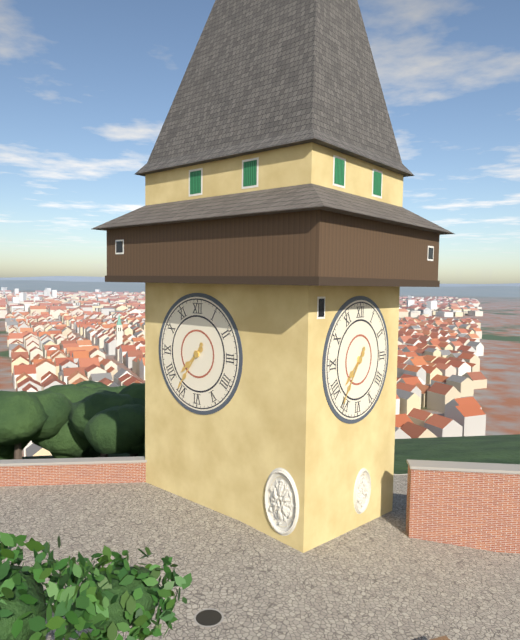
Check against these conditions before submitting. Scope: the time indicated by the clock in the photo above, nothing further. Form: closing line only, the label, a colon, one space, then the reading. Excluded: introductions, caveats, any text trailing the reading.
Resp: 7:36
